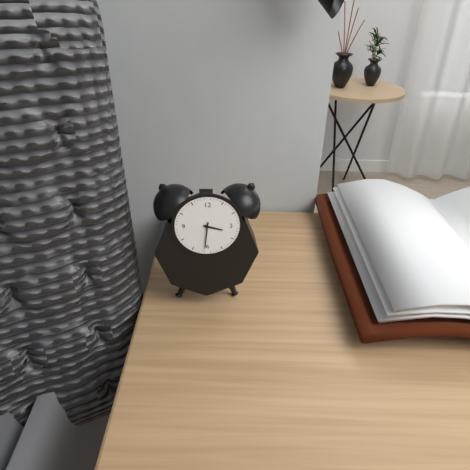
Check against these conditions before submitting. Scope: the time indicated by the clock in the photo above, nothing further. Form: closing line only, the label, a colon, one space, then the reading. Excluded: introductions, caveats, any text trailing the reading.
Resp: 3:31
